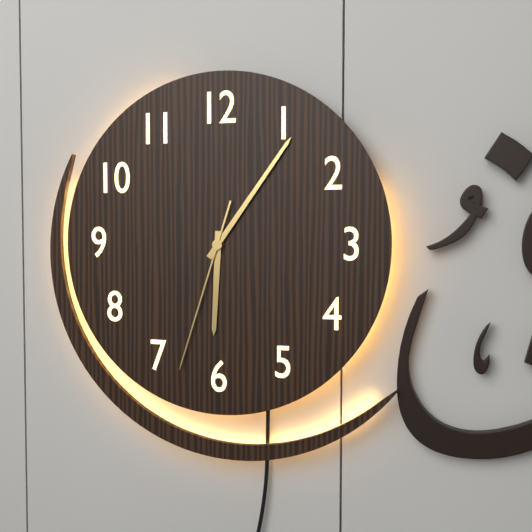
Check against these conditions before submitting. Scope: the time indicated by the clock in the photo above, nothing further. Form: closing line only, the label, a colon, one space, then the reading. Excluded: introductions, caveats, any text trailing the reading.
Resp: 6:06:33
